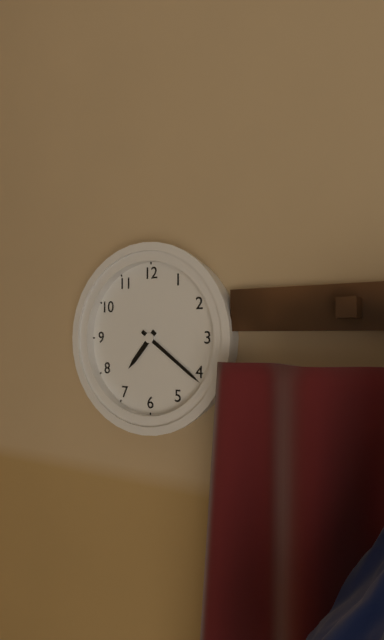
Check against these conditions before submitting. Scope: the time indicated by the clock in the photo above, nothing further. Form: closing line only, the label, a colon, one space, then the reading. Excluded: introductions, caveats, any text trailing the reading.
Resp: 7:21
